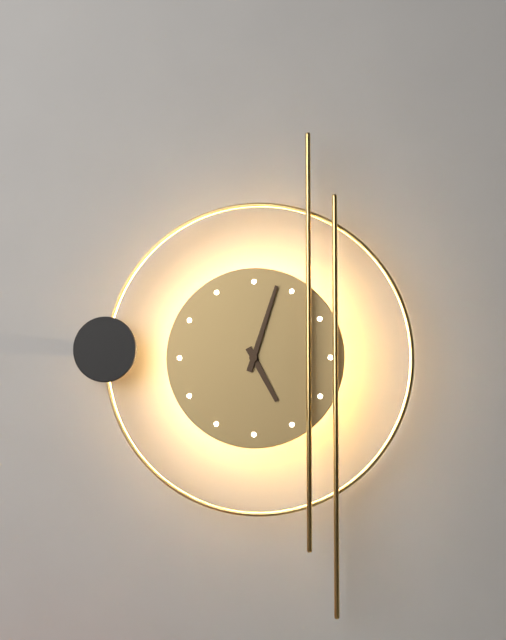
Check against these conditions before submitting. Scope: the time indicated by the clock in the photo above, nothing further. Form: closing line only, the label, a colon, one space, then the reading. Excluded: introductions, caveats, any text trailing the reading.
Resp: 5:03
